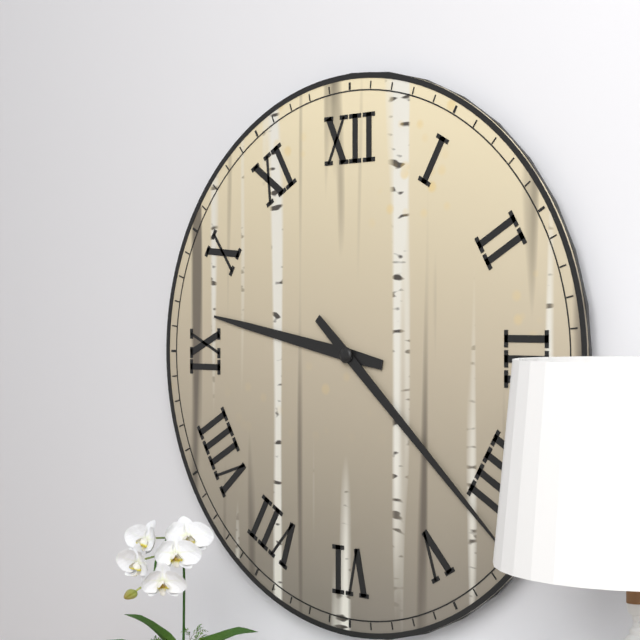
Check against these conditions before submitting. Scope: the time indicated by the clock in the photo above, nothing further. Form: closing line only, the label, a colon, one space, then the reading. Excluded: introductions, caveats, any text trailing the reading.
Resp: 9:22
